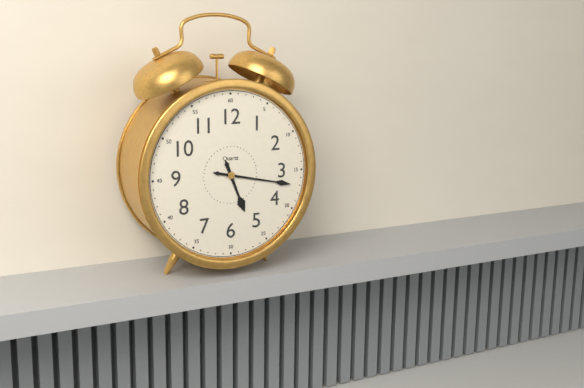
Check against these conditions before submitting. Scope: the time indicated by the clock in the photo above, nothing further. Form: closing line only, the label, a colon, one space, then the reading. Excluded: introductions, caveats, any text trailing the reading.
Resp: 5:17
